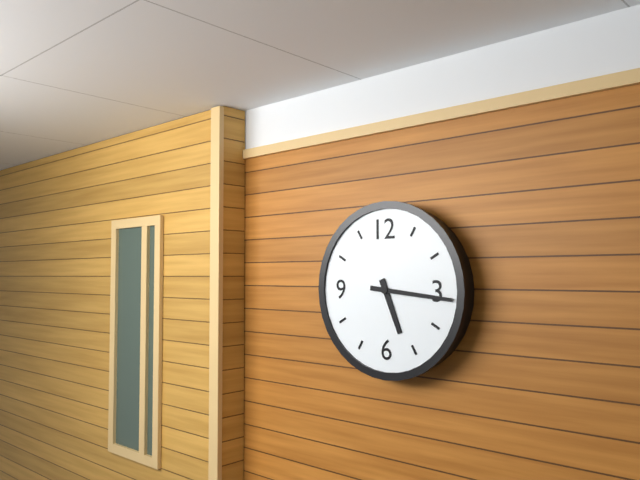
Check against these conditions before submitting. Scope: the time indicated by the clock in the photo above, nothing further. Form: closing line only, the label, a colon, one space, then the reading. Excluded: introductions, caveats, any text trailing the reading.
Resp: 5:16
